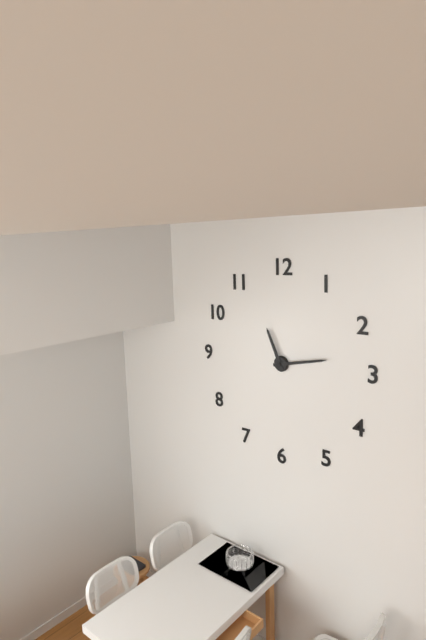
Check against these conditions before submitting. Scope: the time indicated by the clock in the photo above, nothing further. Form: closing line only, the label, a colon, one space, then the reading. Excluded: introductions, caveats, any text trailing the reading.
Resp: 11:13
